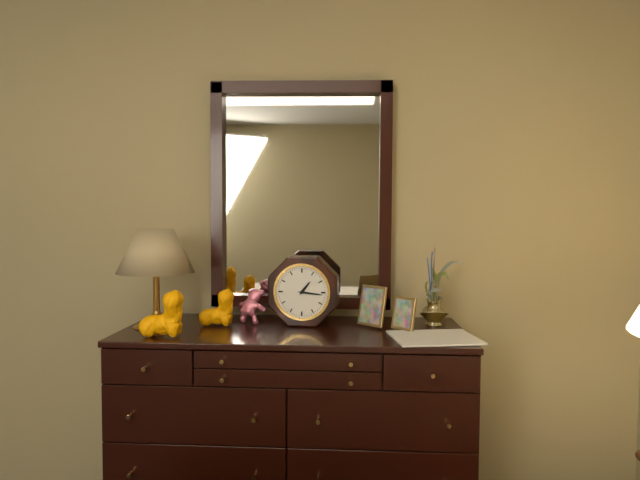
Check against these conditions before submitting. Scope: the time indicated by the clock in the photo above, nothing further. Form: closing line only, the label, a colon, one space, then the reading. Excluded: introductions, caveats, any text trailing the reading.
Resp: 1:16
